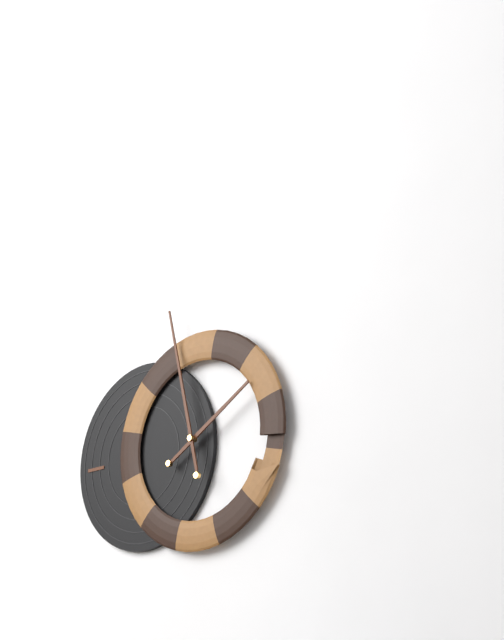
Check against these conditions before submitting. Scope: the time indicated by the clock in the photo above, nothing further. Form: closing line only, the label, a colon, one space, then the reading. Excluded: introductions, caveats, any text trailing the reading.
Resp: 1:58
